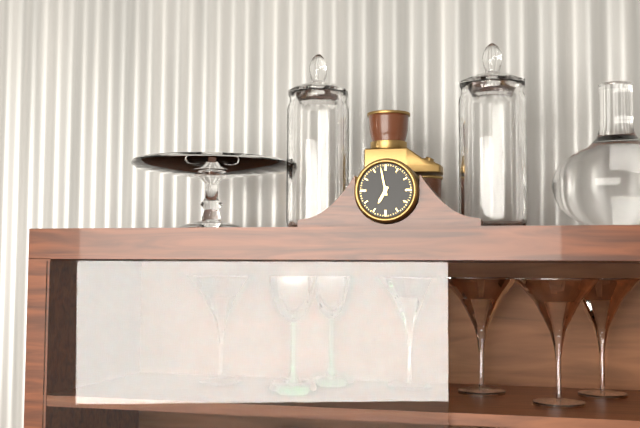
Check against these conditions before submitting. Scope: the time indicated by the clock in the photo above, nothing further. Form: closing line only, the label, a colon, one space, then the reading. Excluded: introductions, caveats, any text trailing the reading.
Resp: 6:58
